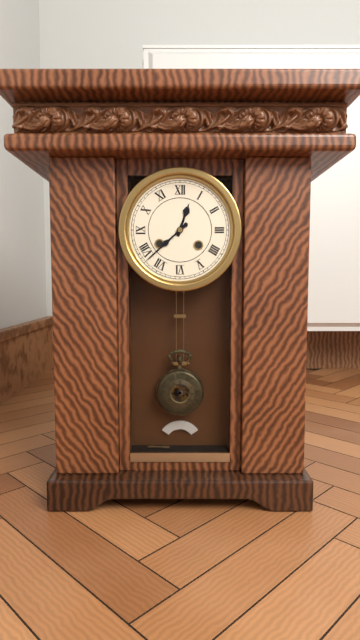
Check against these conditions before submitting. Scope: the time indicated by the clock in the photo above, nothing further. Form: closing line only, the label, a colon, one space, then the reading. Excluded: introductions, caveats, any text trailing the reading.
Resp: 12:38
